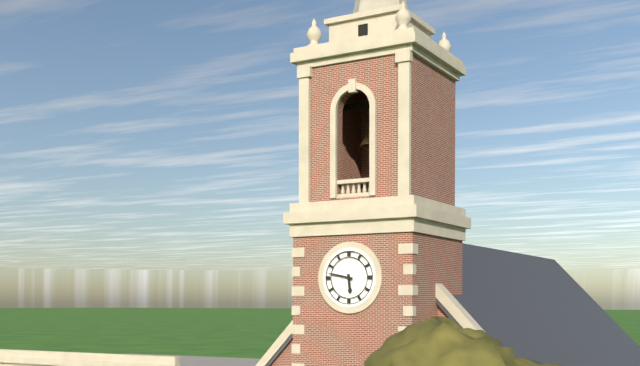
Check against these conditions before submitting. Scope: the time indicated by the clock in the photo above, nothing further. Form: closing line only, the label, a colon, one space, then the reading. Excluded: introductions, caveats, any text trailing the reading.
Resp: 5:47
